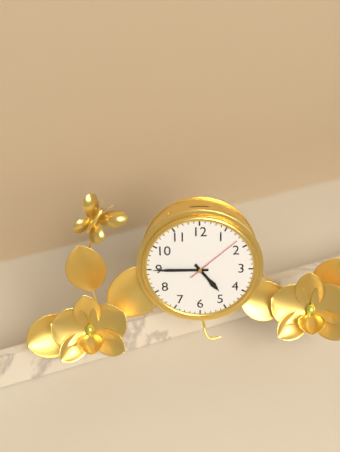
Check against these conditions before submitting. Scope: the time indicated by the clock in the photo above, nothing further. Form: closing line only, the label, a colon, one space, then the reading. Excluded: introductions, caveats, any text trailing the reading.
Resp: 4:45:08
